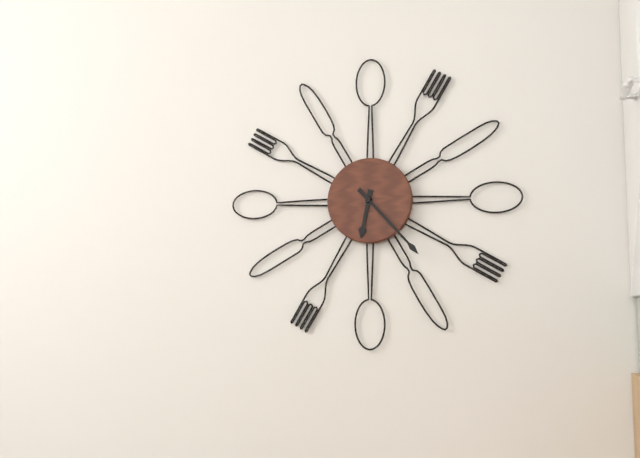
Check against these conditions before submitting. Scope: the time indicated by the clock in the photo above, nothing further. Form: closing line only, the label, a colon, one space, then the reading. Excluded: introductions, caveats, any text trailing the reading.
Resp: 6:23
